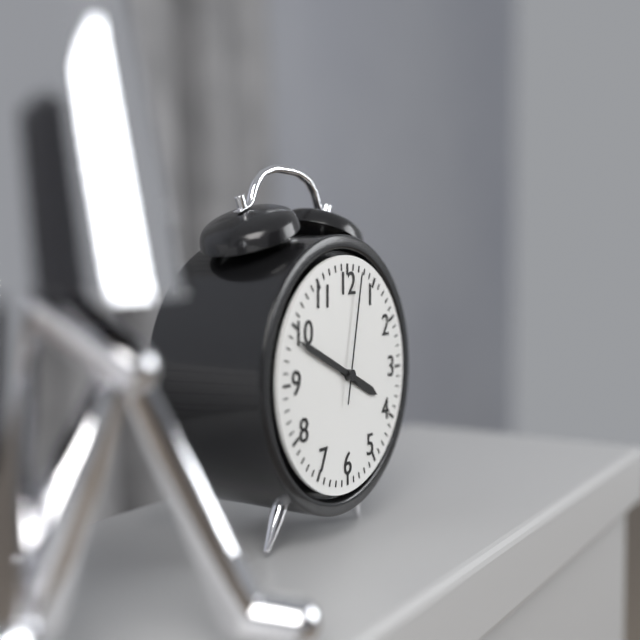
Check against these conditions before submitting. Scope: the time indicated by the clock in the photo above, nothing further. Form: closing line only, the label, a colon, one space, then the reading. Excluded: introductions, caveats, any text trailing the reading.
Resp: 3:49:02
